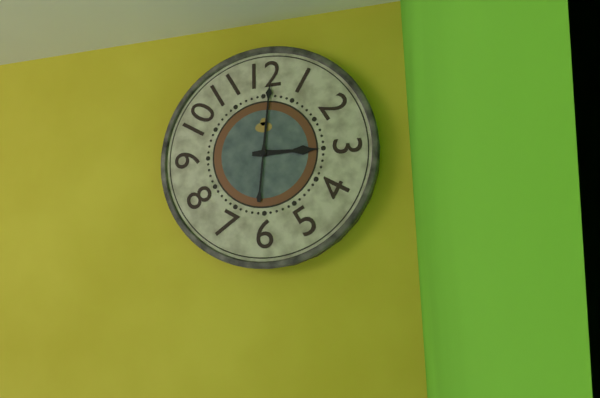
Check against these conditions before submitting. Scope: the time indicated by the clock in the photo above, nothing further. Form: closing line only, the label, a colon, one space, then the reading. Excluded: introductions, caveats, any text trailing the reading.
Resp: 3:01
